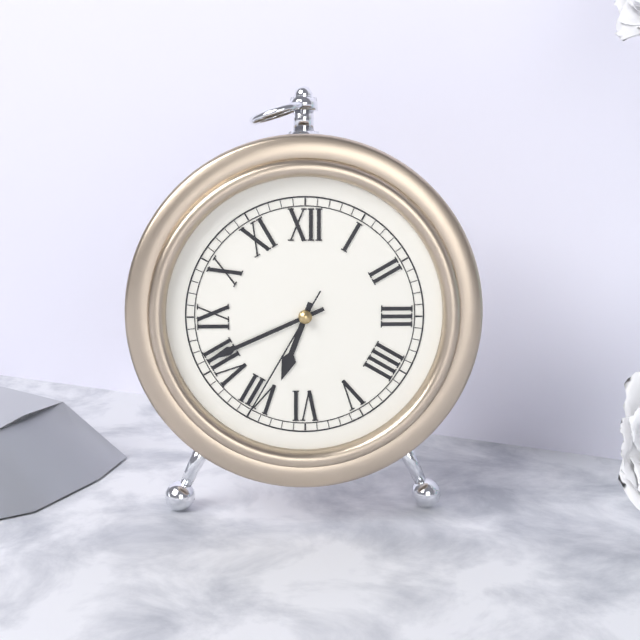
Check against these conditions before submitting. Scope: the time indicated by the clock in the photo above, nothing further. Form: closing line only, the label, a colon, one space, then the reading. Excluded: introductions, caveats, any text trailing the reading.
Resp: 6:41:35
